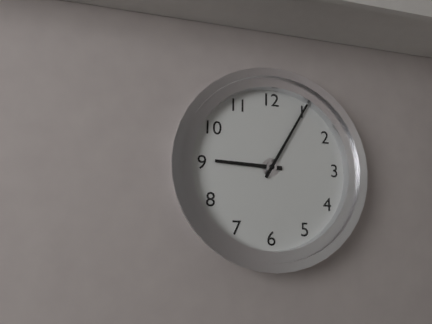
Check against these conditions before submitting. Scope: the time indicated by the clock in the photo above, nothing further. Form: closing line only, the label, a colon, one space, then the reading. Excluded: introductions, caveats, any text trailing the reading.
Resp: 9:05
